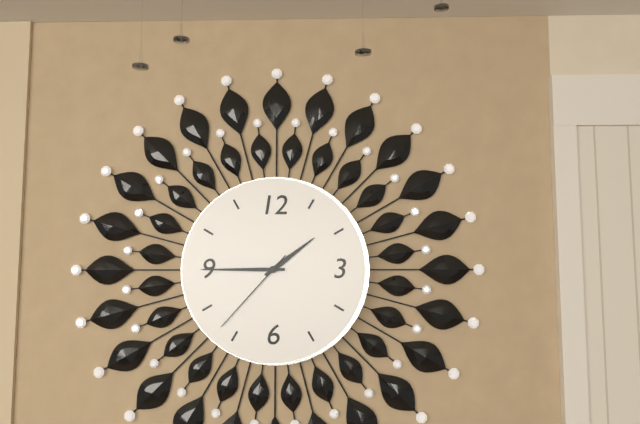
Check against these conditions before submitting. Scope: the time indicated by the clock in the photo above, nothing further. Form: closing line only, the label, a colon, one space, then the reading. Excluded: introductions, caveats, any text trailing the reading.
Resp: 1:45:37
